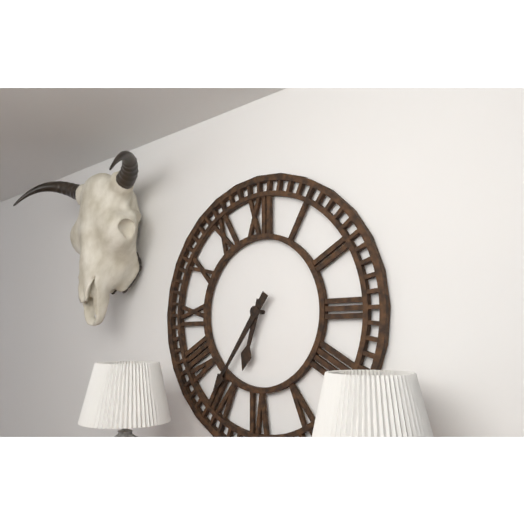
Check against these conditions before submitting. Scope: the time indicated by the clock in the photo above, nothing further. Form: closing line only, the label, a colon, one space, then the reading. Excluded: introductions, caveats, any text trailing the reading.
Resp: 6:36
